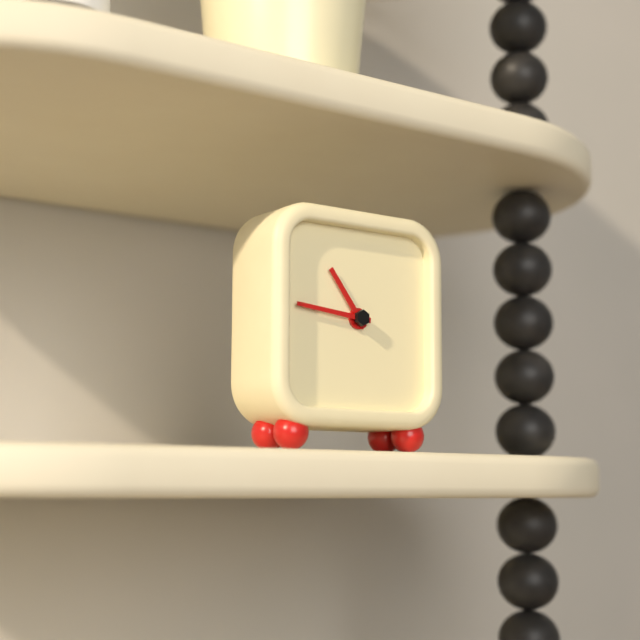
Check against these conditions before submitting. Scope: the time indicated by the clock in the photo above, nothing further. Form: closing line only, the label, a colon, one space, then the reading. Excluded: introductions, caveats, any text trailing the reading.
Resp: 10:46
